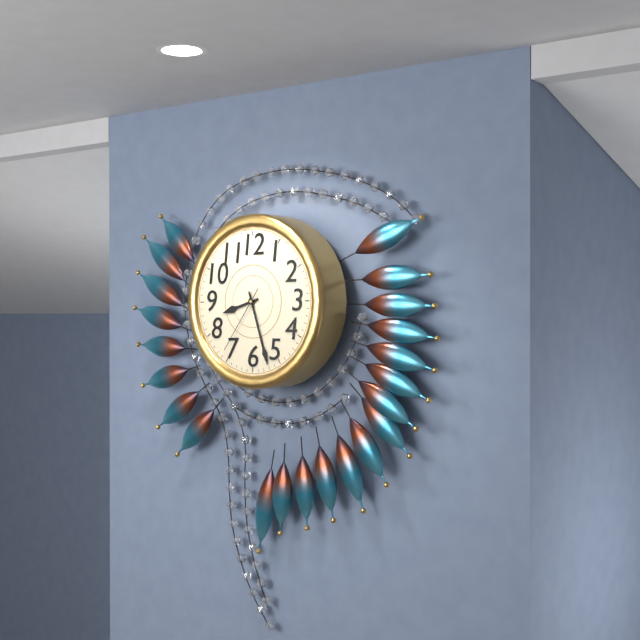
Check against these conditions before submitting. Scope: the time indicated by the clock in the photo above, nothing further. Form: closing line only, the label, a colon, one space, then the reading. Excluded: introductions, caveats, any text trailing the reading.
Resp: 8:27:36
